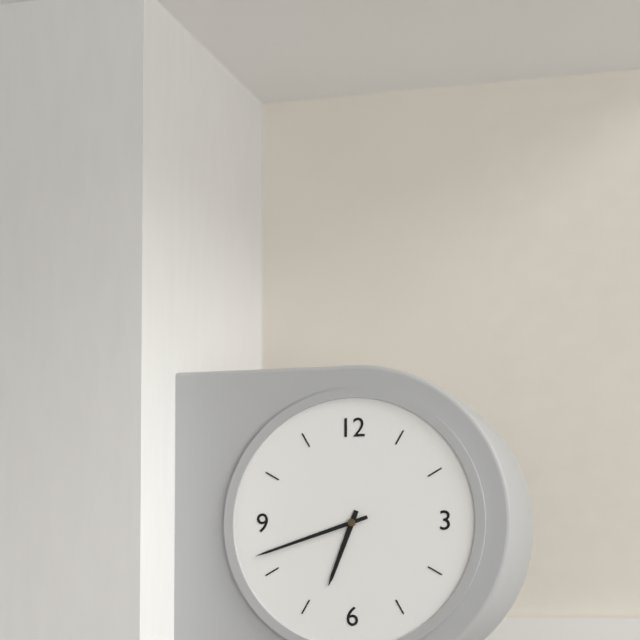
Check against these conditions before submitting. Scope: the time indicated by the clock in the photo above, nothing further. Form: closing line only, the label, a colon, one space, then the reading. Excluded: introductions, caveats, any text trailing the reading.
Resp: 6:42
